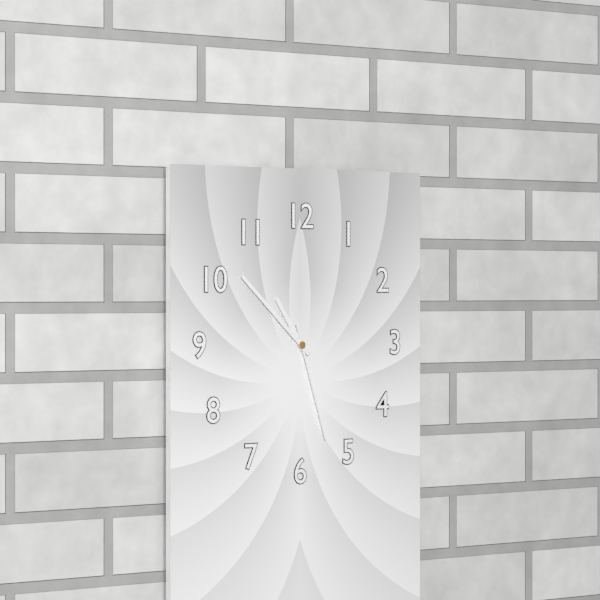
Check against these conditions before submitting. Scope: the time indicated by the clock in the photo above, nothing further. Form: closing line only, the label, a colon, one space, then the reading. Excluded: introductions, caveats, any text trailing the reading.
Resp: 10:52:27
